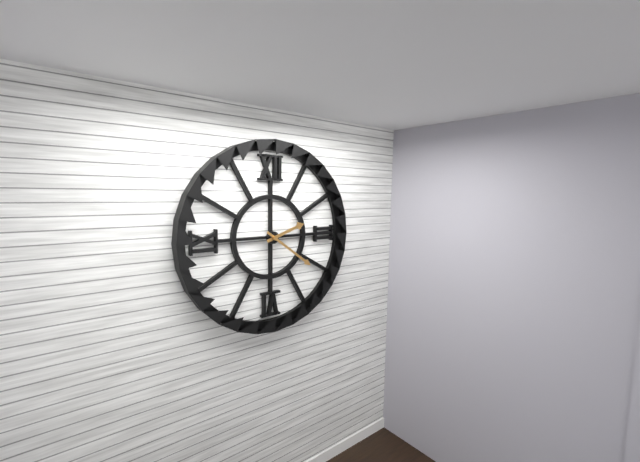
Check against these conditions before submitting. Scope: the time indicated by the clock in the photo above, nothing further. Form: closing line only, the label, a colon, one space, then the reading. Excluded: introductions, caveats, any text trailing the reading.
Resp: 2:21
